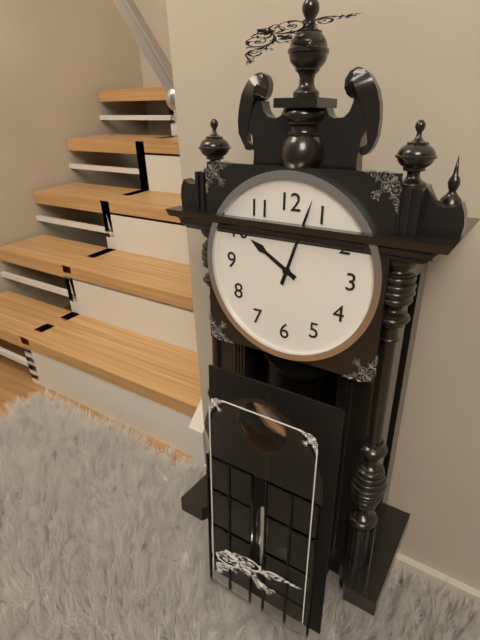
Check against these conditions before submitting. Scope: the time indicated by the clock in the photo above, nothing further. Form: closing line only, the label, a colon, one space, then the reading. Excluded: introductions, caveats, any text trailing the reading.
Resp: 10:03
